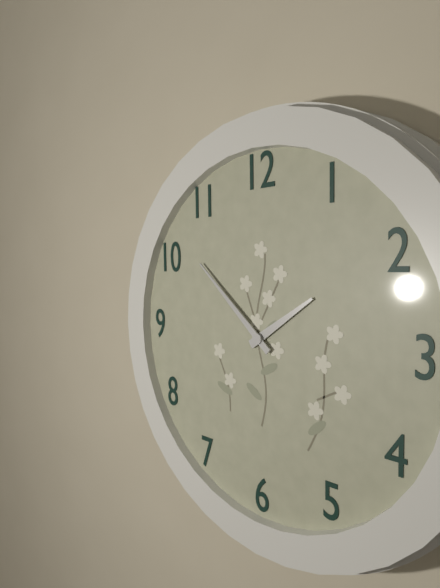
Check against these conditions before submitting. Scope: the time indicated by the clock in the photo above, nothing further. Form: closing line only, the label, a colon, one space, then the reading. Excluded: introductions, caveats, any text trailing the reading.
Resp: 1:52
